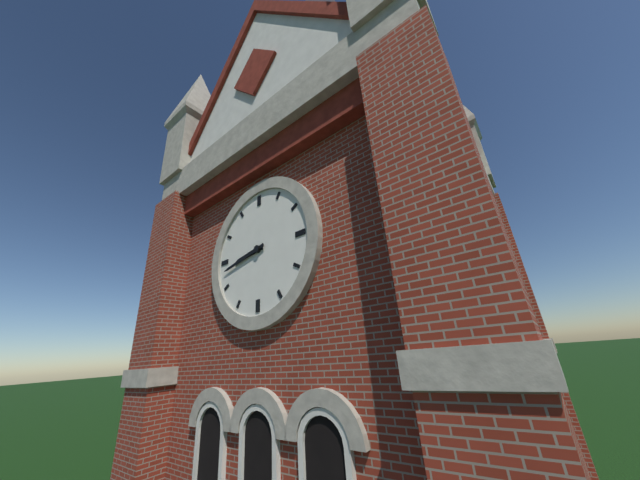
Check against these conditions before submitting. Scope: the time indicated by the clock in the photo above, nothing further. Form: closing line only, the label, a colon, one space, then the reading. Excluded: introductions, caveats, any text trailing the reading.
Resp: 8:43
